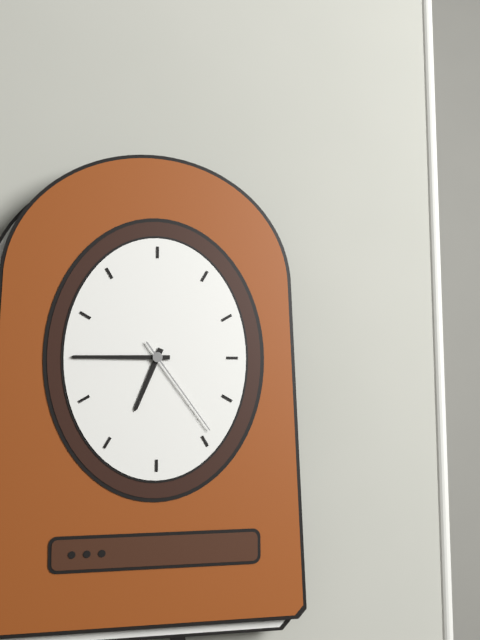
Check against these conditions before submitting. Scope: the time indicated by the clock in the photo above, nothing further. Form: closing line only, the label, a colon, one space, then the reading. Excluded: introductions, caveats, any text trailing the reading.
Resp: 6:45:24
